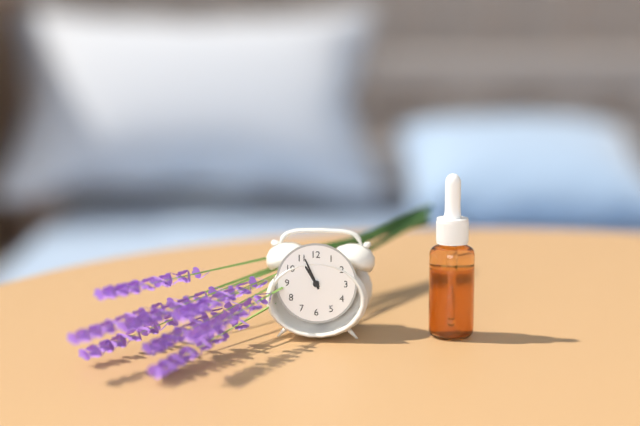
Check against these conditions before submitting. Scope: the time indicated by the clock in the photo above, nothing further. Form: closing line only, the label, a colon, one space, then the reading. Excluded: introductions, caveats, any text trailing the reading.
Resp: 10:56
